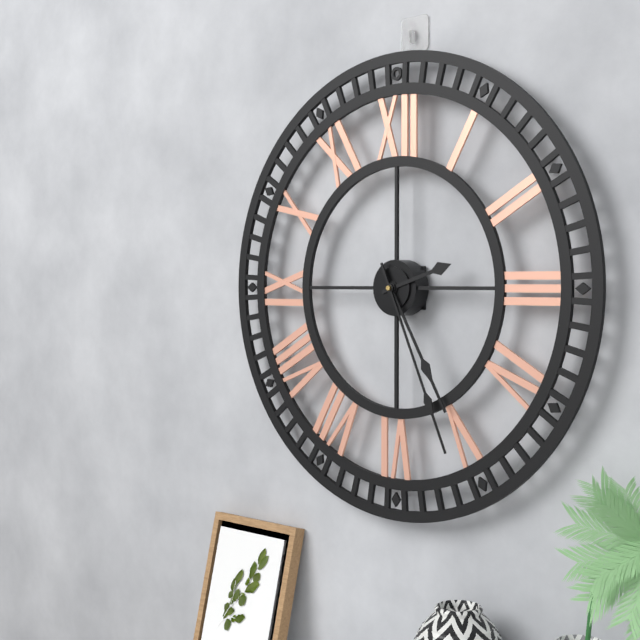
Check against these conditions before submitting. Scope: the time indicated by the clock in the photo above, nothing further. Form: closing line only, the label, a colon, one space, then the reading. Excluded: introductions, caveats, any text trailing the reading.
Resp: 2:25:26
